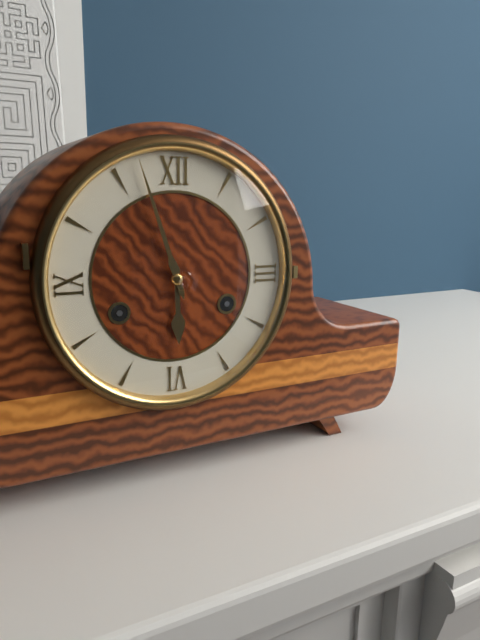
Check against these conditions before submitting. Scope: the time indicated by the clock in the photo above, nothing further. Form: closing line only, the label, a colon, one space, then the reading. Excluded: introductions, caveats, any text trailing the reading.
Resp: 5:57
